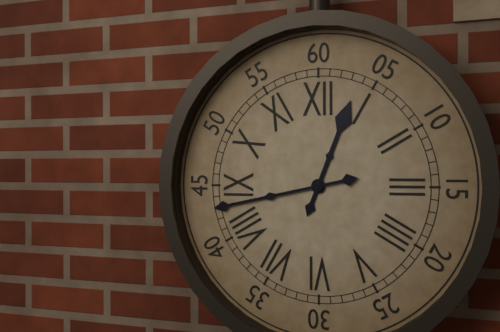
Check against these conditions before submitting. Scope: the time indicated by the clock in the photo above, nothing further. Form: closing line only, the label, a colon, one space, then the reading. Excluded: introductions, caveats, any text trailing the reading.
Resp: 12:43
